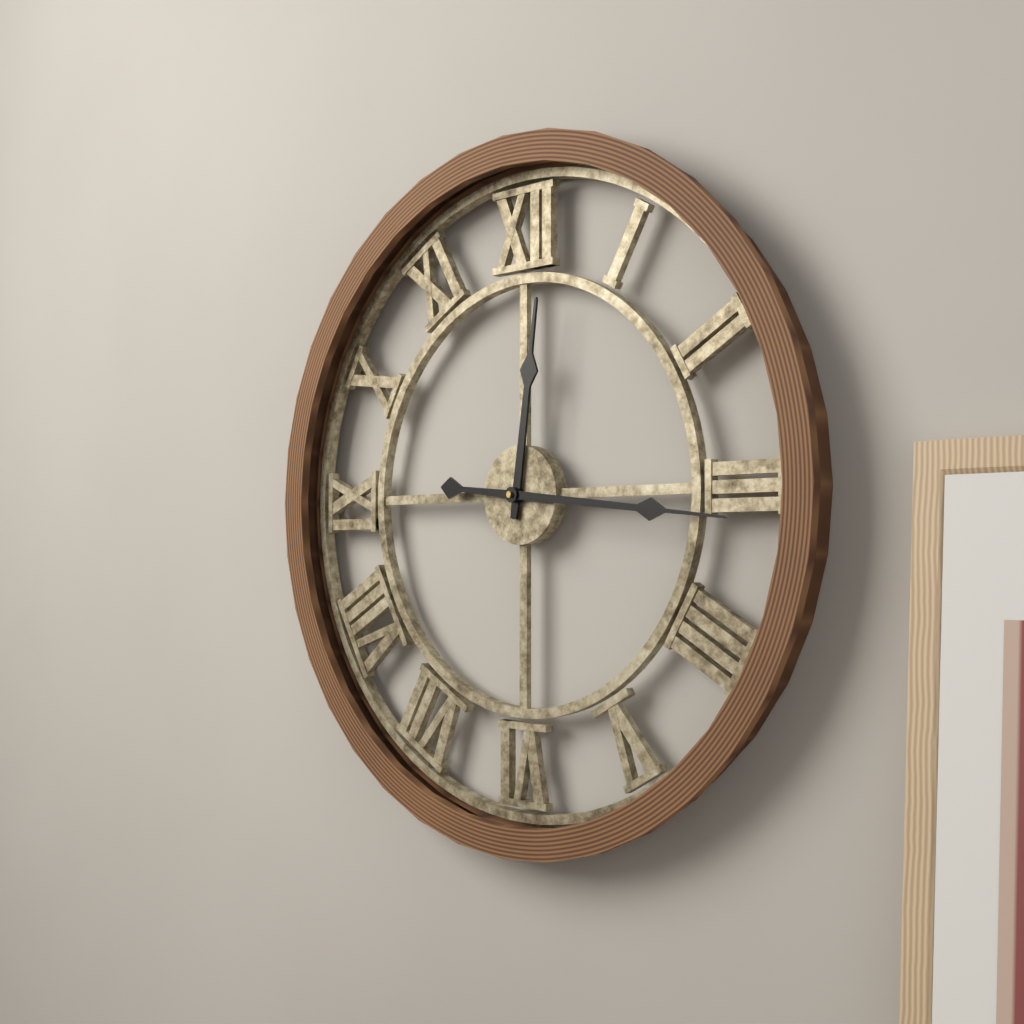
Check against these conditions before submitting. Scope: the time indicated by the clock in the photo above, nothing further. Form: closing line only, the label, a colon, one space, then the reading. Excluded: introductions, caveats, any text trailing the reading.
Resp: 12:16
